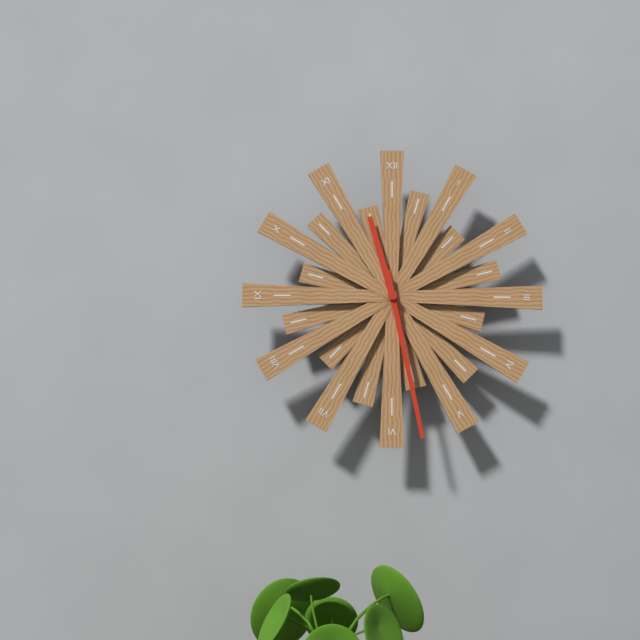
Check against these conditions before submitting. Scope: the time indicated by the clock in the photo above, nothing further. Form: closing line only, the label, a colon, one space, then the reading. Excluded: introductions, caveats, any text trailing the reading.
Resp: 11:28
